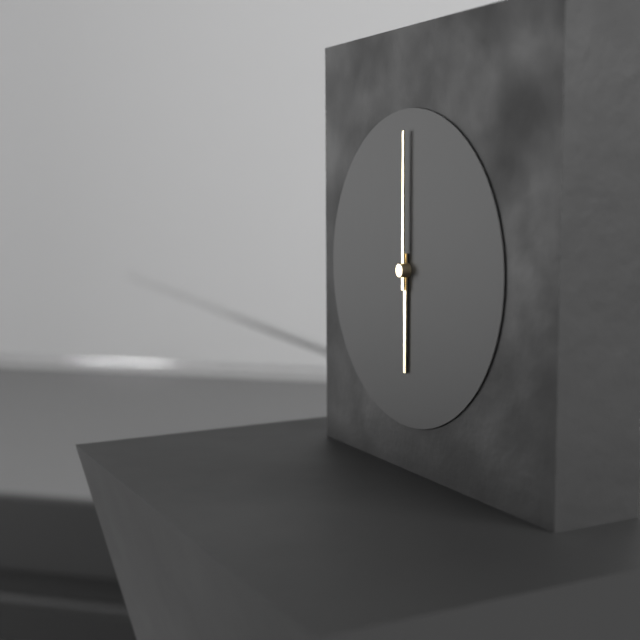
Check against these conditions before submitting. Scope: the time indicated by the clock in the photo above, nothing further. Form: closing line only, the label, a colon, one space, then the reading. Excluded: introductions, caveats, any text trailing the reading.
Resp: 6:00
